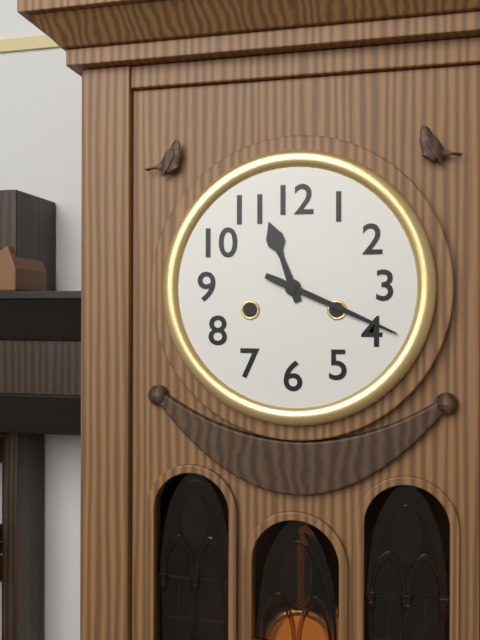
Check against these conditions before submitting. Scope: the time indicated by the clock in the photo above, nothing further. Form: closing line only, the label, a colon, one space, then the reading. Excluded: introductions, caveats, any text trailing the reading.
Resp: 11:19
